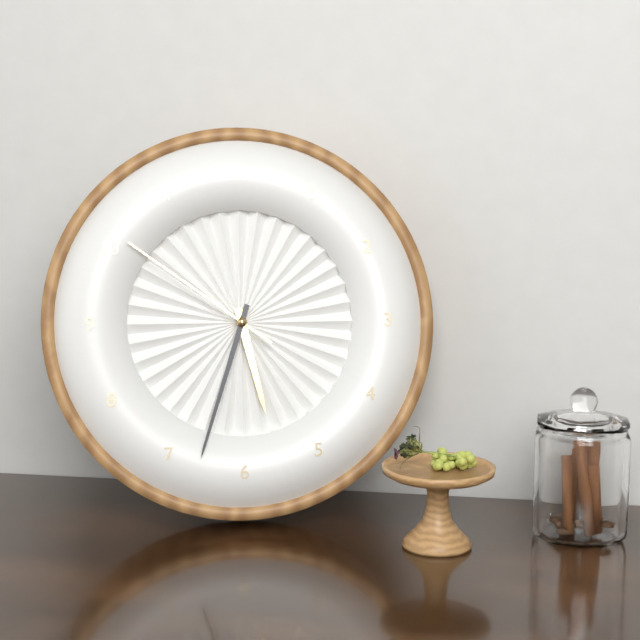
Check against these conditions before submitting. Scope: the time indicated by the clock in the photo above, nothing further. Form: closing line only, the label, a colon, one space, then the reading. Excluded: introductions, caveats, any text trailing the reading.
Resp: 5:33:51
